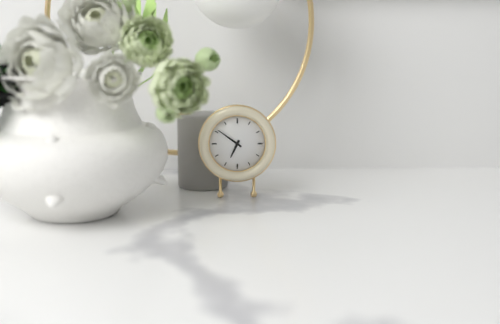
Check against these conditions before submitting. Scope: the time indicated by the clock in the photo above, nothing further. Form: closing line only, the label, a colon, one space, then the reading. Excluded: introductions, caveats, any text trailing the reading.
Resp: 6:51
